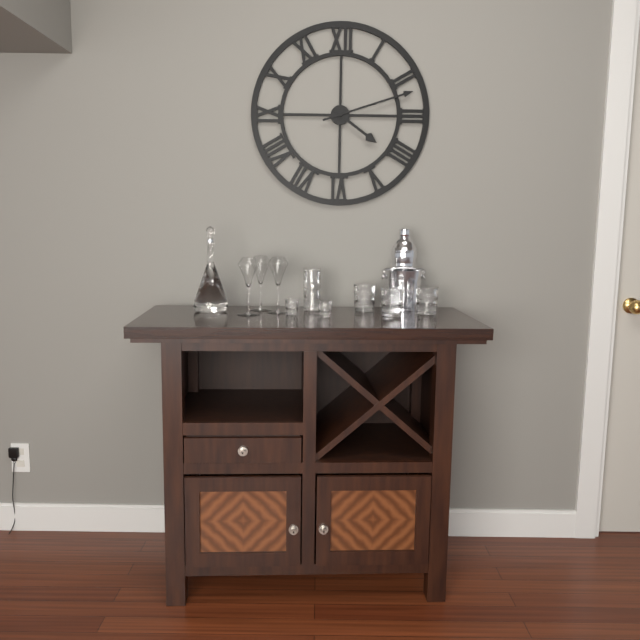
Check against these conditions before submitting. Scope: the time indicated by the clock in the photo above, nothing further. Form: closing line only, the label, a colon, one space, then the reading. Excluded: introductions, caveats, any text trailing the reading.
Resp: 4:12
